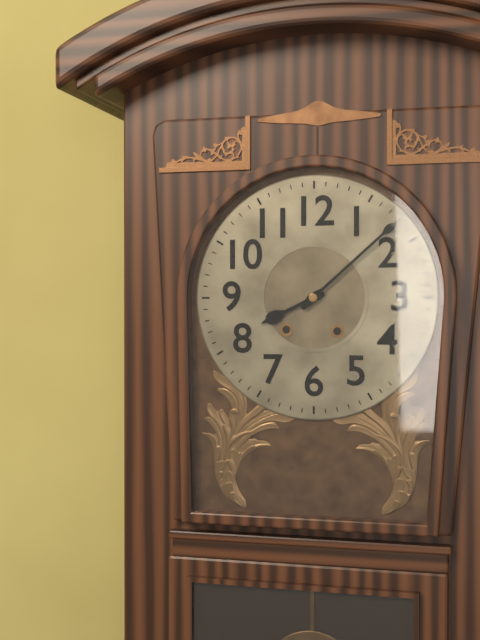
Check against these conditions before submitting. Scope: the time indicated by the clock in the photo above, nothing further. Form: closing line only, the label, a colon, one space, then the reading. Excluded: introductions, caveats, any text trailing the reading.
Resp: 8:08
